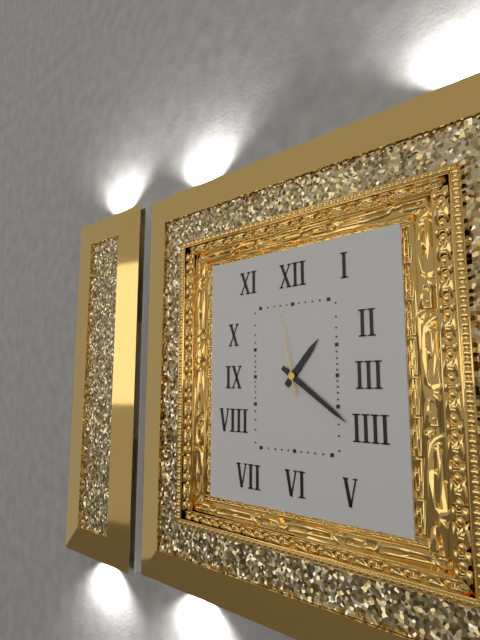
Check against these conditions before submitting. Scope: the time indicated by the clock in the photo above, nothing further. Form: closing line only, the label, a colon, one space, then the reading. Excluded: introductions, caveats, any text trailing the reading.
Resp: 1:21:58
